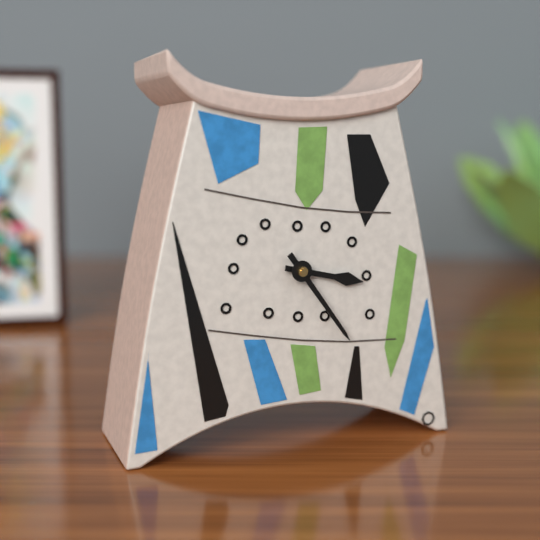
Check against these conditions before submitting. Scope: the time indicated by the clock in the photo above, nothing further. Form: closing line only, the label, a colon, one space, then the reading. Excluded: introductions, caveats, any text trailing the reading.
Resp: 3:24
